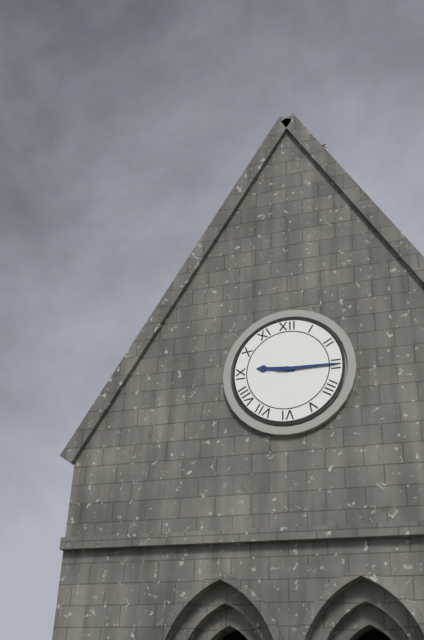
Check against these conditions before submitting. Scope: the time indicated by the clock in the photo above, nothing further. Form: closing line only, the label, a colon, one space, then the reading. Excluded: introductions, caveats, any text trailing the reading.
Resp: 9:15
